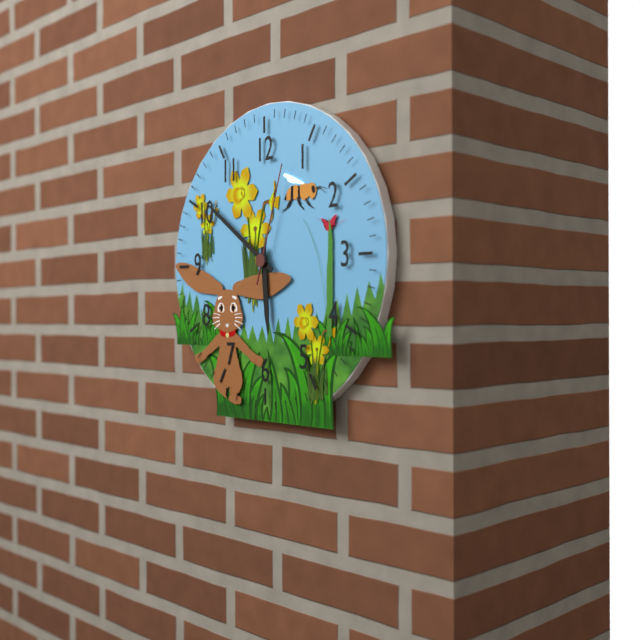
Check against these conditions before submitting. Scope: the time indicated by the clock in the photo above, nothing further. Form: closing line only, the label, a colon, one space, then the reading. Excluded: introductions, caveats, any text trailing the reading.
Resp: 5:51:03
